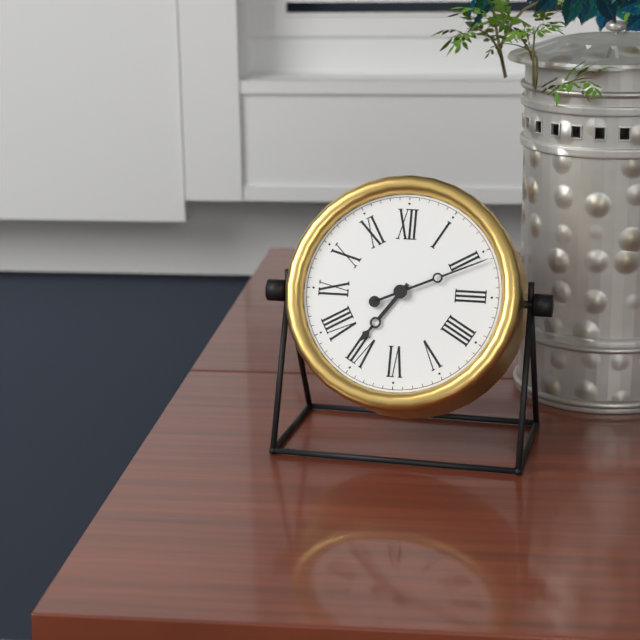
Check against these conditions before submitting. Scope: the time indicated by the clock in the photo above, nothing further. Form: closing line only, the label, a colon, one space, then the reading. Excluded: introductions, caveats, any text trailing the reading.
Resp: 7:11
